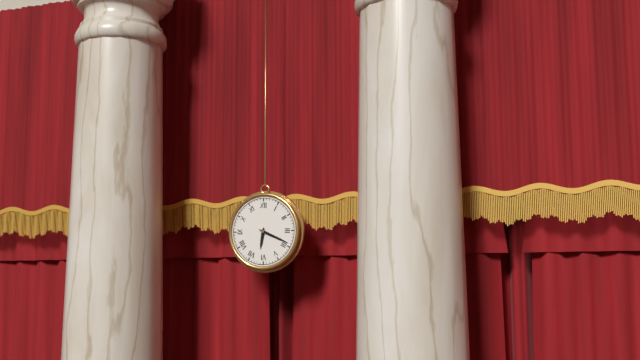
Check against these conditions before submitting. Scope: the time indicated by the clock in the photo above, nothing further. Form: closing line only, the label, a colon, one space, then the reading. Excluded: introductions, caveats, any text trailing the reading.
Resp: 6:19
